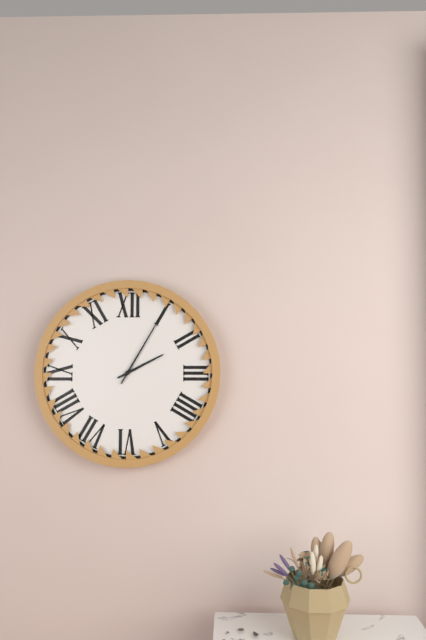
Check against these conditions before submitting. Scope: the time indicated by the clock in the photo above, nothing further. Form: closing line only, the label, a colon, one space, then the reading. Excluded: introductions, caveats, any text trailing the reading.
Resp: 2:05
